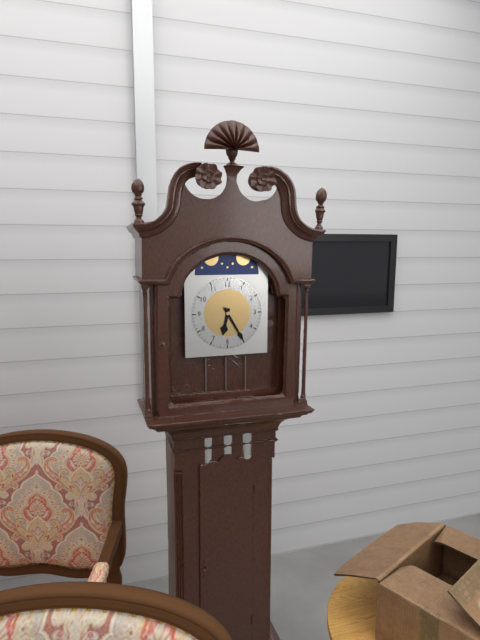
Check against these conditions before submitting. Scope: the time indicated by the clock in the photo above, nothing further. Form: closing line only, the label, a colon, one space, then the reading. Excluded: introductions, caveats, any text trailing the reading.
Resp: 6:25
